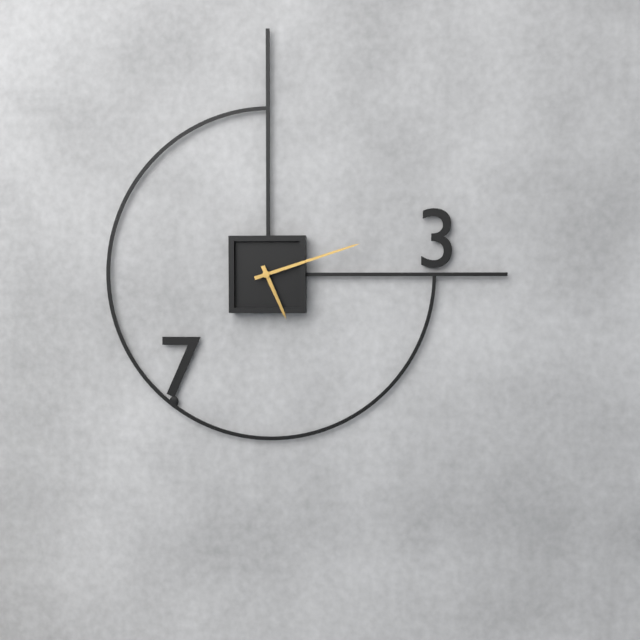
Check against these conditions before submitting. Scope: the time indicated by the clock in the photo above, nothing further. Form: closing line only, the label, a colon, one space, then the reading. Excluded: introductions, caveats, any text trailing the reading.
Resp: 5:12
